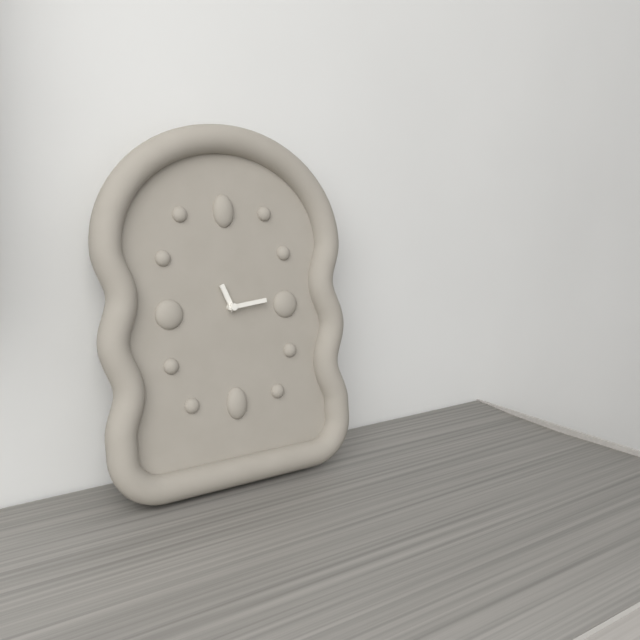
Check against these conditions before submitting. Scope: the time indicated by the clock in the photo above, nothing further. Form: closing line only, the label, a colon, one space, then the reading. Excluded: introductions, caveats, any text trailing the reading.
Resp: 11:14
